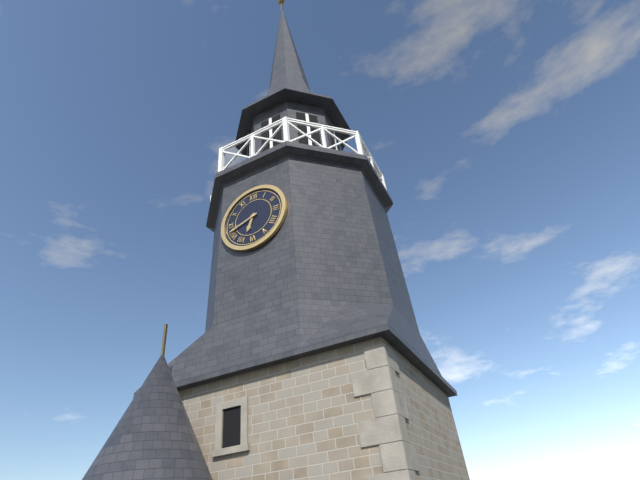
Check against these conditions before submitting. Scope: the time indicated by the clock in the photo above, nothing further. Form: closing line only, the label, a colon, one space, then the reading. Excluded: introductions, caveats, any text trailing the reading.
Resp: 6:42
